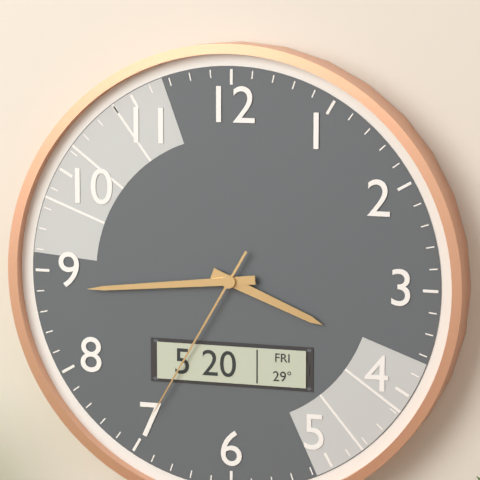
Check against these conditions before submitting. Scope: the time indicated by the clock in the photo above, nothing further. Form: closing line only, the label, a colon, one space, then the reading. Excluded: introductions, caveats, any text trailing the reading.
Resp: 3:44:35
